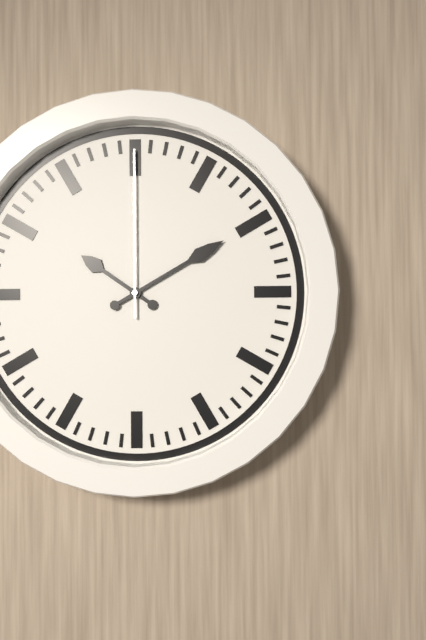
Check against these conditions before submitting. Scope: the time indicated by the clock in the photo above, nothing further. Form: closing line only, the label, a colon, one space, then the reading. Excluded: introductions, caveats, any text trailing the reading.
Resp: 10:10:00
